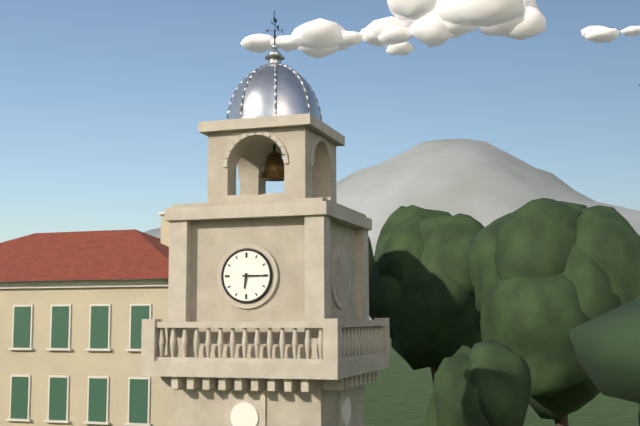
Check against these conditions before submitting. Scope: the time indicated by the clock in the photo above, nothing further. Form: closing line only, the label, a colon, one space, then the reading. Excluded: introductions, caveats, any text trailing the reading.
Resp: 6:15
